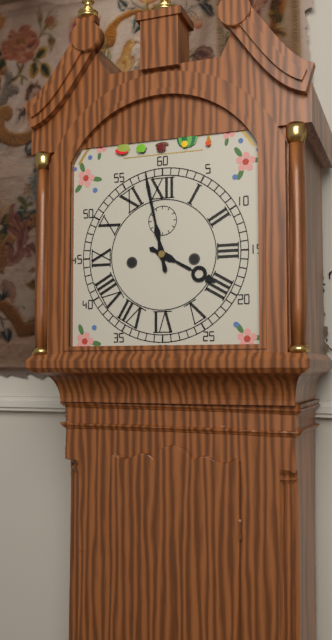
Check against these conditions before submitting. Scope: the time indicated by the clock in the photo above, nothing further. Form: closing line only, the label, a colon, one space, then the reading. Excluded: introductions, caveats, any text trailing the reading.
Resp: 3:58
